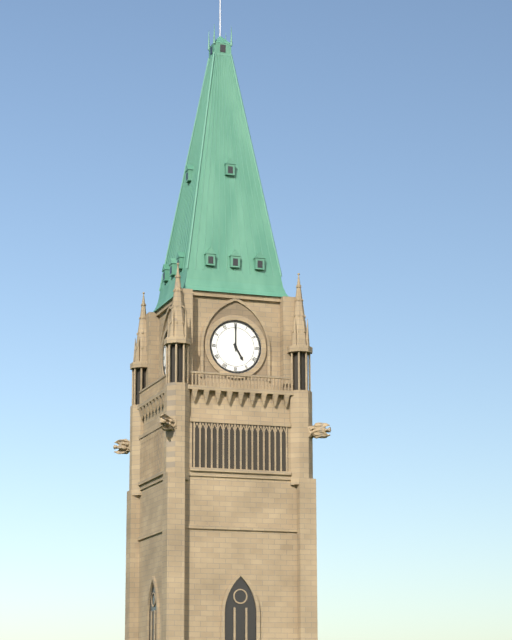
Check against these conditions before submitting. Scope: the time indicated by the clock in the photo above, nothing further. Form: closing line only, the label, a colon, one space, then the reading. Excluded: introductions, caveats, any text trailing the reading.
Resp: 5:00
